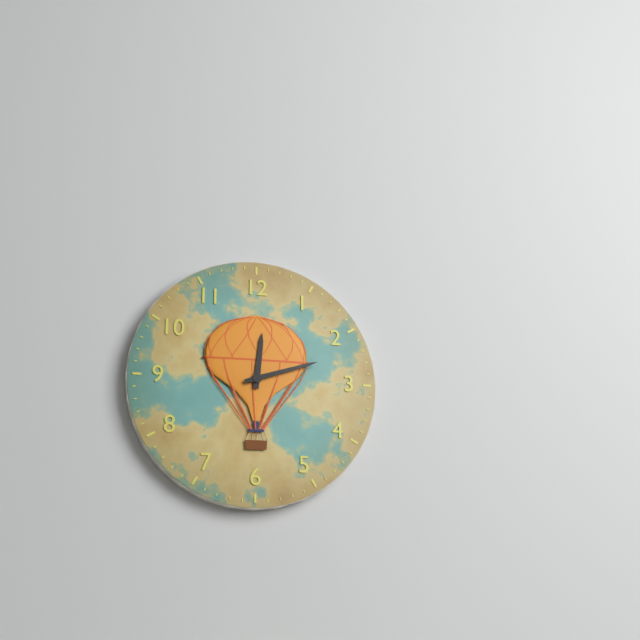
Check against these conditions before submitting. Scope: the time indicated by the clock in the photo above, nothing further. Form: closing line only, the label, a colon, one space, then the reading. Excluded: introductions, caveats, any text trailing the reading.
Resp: 12:12
